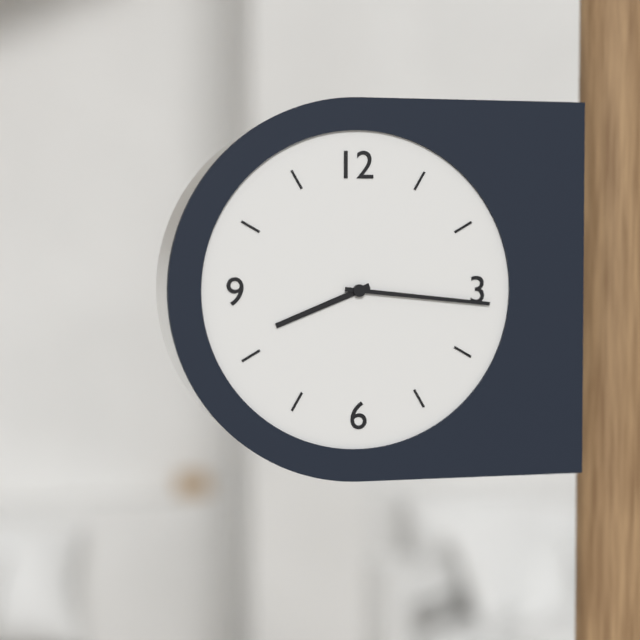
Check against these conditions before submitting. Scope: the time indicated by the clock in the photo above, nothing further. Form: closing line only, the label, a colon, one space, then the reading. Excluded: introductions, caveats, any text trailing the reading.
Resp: 8:16
